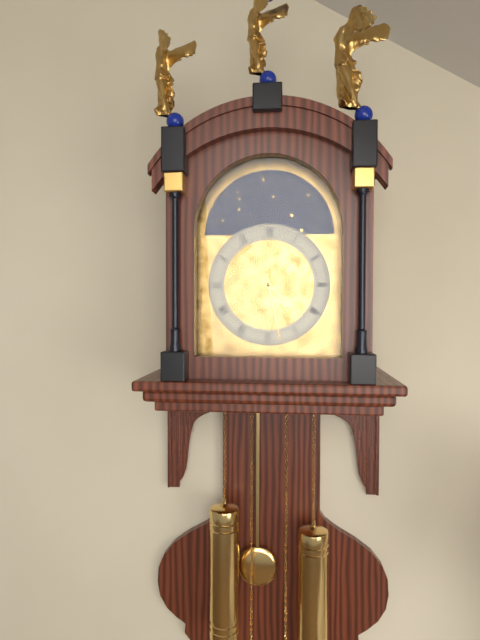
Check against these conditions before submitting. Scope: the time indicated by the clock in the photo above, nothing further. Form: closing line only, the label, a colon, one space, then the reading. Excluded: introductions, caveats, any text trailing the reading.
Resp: 4:28
